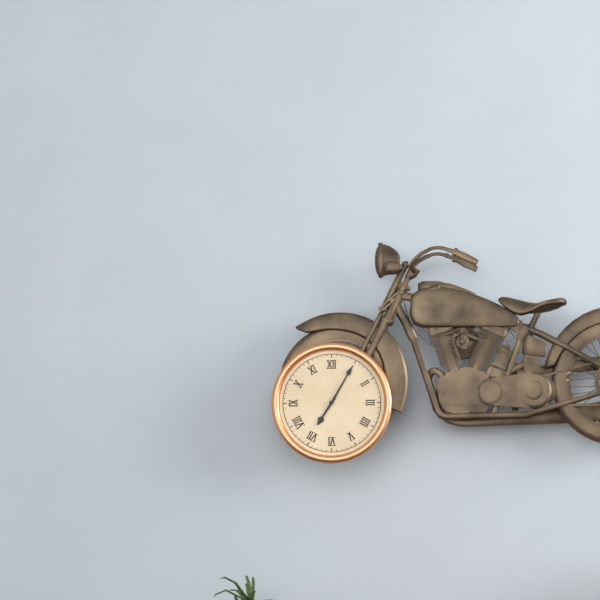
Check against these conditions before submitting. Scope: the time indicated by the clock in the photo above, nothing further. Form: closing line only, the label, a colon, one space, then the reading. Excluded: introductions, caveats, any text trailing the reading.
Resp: 7:05
